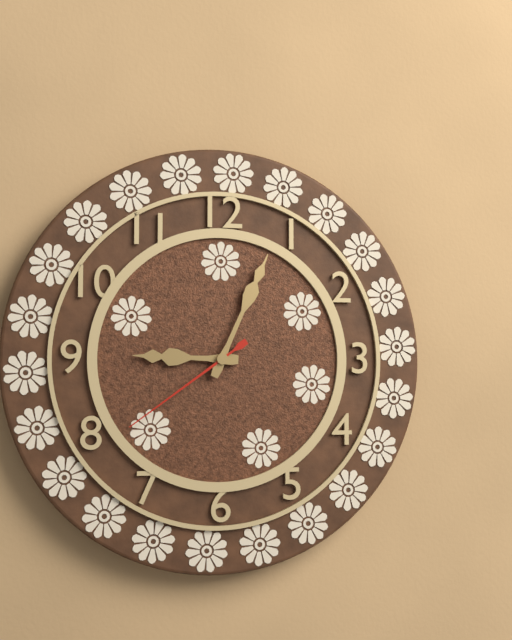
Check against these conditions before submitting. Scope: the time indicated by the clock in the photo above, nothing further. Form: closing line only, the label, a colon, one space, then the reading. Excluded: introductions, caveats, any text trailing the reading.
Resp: 9:04:39
